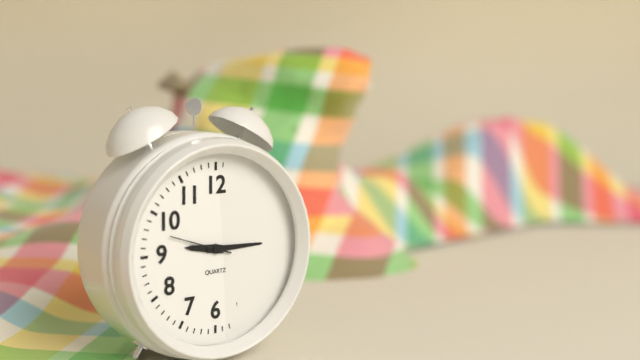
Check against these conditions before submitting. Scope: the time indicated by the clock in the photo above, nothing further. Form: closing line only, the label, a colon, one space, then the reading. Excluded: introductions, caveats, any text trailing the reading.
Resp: 9:15:48
